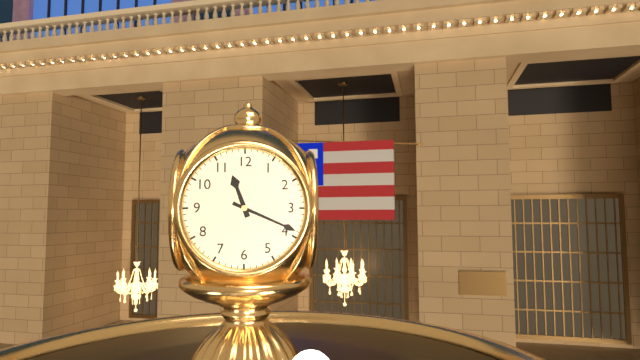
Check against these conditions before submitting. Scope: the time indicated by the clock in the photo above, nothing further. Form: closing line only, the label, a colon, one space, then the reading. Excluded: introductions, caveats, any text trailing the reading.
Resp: 11:19
